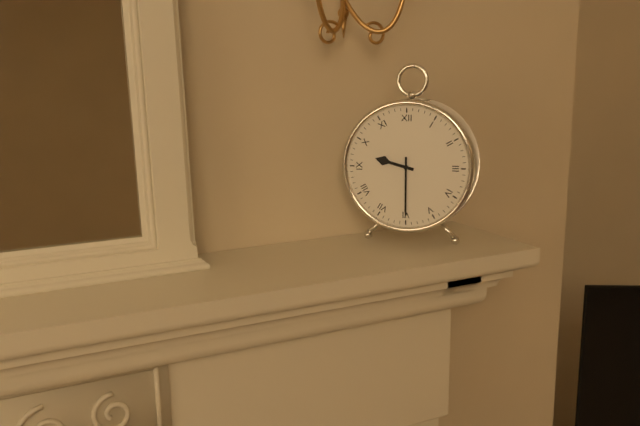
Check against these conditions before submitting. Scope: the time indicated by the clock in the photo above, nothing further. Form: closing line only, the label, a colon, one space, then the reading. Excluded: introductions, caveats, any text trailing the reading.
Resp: 9:30
